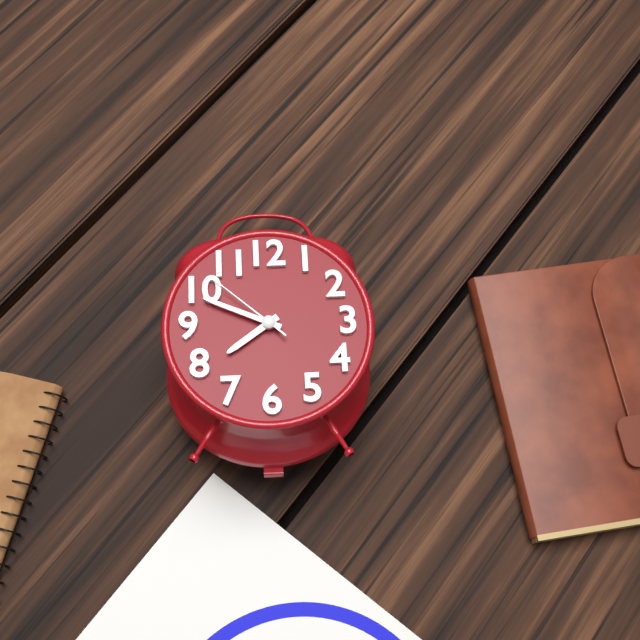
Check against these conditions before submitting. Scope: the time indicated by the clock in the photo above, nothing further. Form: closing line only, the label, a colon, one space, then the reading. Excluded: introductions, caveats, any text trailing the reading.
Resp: 7:49:52
